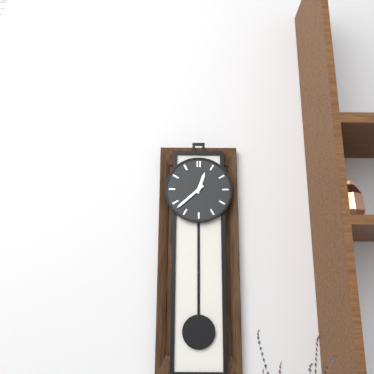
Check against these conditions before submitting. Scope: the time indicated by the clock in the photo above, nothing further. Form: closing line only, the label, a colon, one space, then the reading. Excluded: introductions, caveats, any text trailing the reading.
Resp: 12:38
